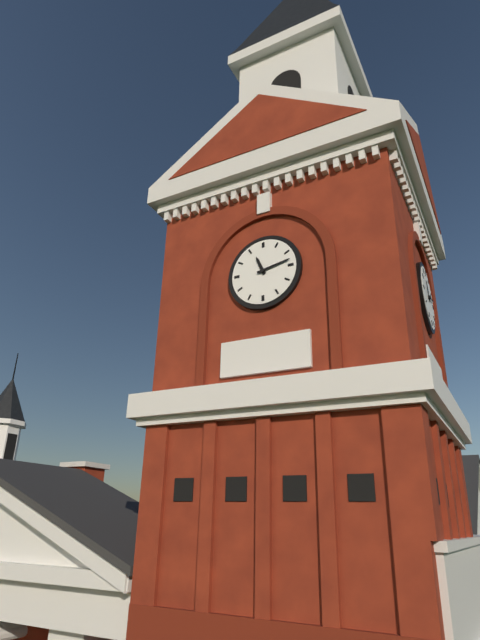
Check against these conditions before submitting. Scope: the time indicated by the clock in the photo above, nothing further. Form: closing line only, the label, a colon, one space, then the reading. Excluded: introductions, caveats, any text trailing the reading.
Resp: 11:13
